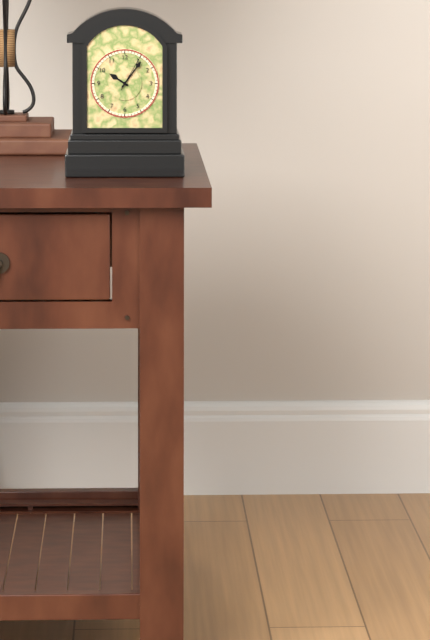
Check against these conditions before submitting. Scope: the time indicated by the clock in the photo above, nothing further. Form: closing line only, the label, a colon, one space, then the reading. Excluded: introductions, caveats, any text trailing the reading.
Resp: 10:06
